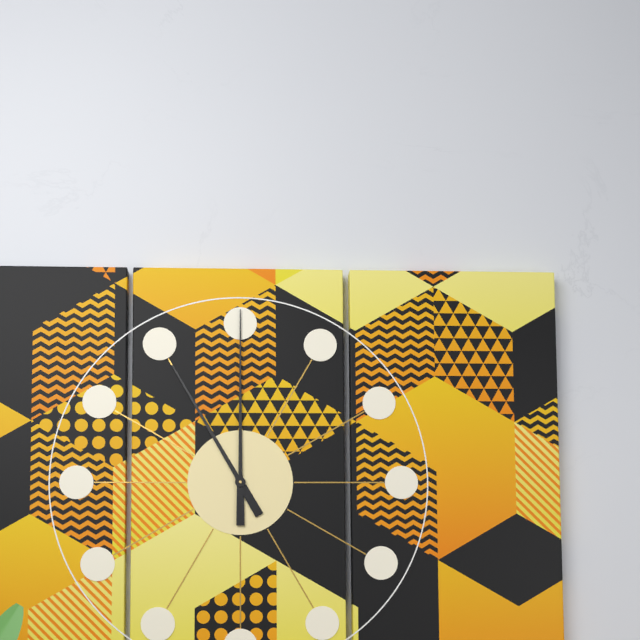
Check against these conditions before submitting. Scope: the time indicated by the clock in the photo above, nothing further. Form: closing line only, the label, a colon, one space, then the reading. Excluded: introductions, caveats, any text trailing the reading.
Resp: 11:00
